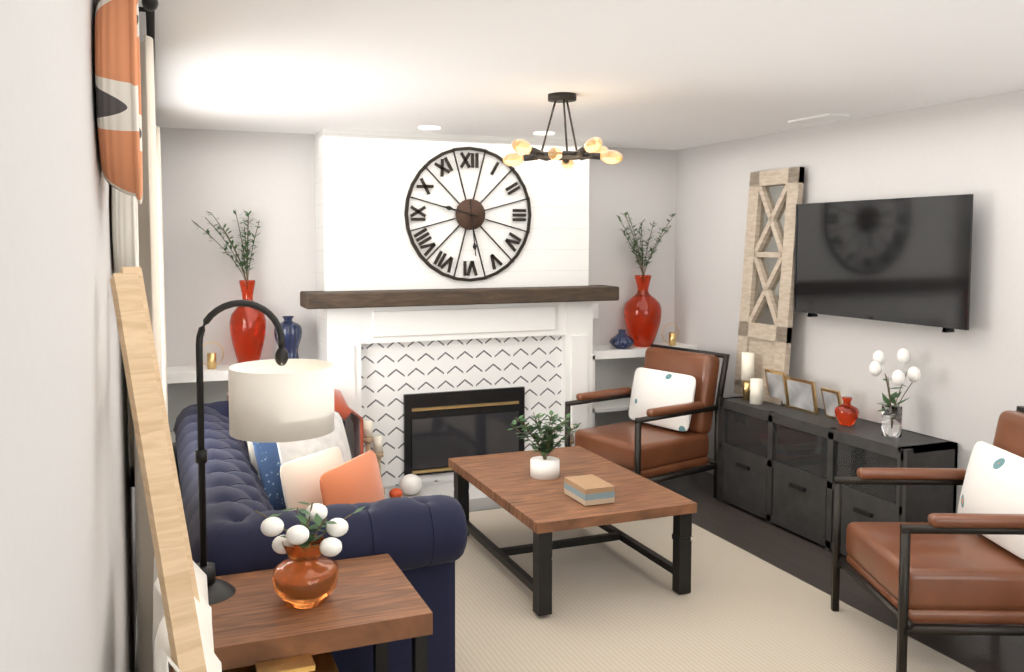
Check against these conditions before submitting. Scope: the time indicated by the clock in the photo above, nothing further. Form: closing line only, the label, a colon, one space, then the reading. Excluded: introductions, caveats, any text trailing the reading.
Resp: 9:29
